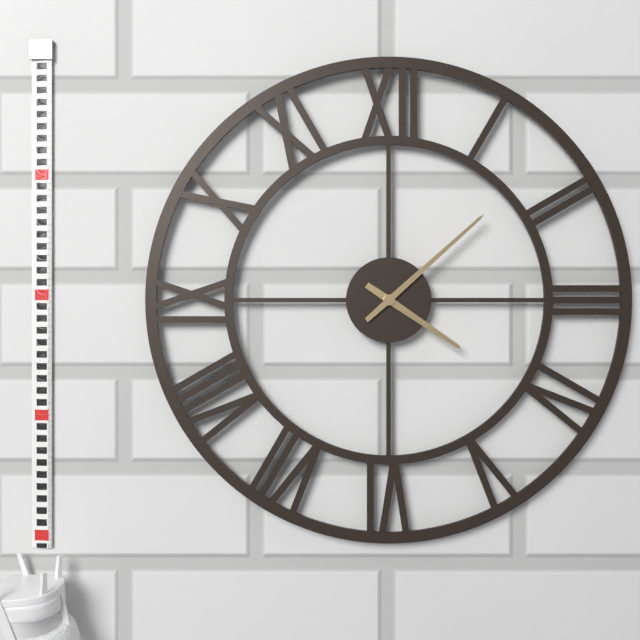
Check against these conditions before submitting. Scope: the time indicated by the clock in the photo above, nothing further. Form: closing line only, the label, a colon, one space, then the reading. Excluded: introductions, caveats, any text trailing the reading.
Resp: 4:08
